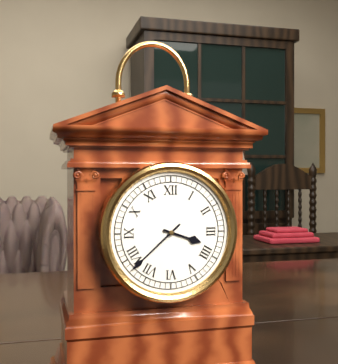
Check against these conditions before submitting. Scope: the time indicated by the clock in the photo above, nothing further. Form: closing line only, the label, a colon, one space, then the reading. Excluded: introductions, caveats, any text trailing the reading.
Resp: 3:38
